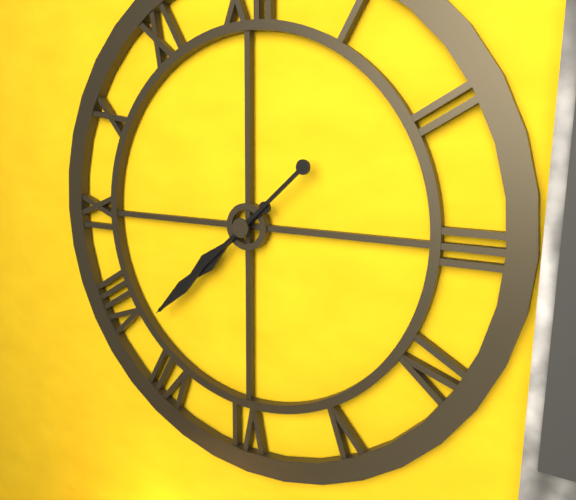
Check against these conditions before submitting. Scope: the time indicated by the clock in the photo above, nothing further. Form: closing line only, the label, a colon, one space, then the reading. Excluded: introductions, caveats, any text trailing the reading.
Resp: 7:38
